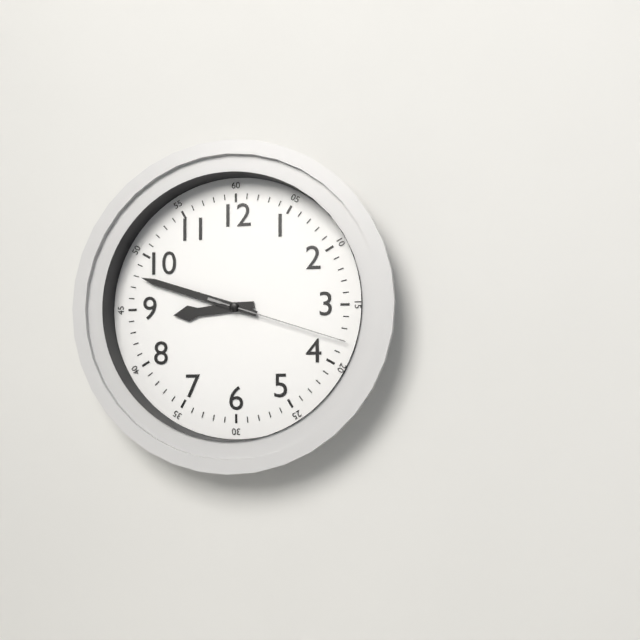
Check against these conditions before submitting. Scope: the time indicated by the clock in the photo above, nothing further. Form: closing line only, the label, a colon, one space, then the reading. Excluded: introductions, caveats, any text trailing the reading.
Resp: 8:48:18
